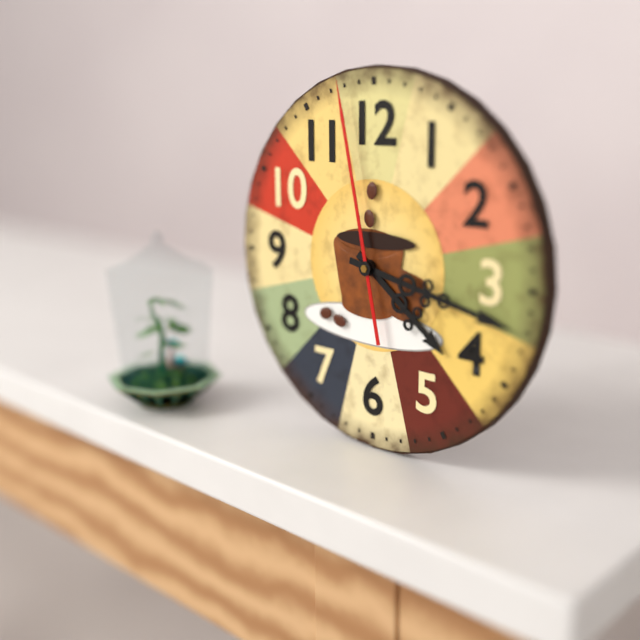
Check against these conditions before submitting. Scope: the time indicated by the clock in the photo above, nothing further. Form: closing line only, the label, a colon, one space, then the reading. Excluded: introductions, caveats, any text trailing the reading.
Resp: 4:17:58
